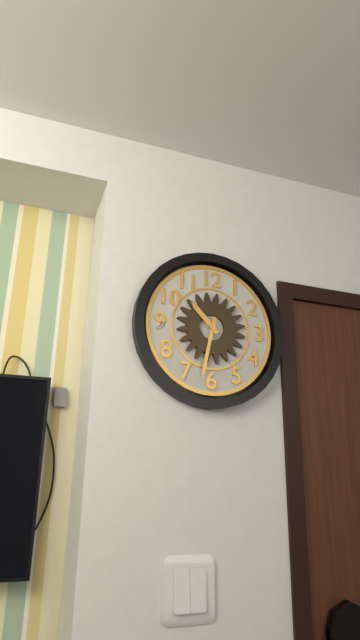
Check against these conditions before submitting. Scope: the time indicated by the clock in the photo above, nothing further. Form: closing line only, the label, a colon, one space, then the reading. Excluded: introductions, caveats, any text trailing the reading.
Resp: 10:32
